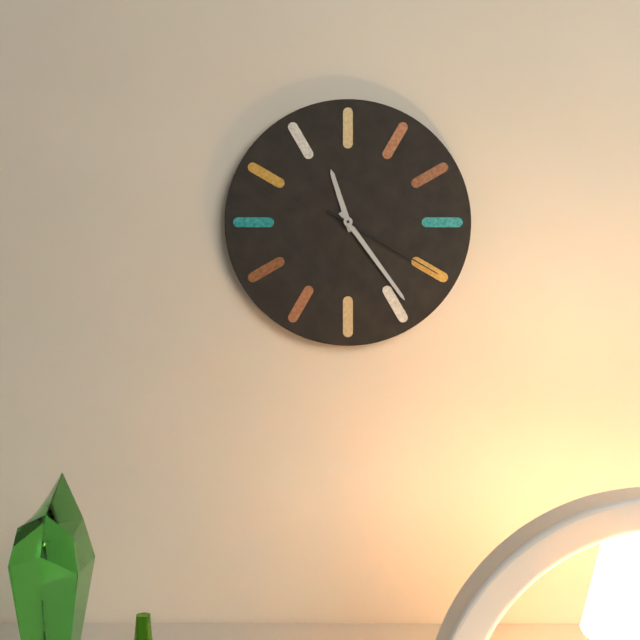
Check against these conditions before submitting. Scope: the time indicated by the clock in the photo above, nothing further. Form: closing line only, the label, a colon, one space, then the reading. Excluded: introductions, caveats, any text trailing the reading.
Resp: 11:24:20
